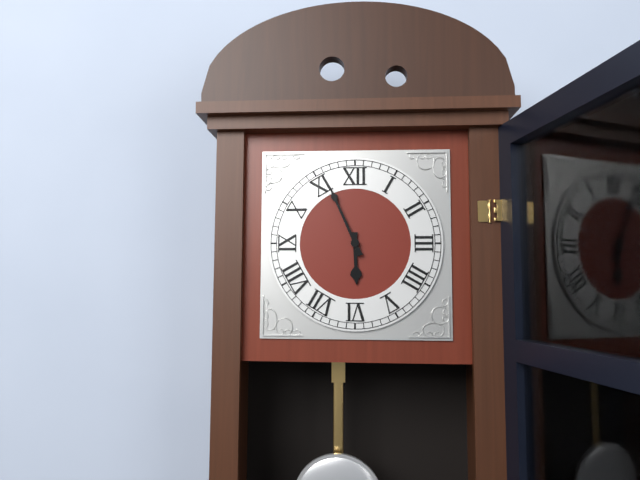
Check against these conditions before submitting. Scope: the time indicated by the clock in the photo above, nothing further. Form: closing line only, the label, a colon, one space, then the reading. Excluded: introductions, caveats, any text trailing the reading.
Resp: 5:56
